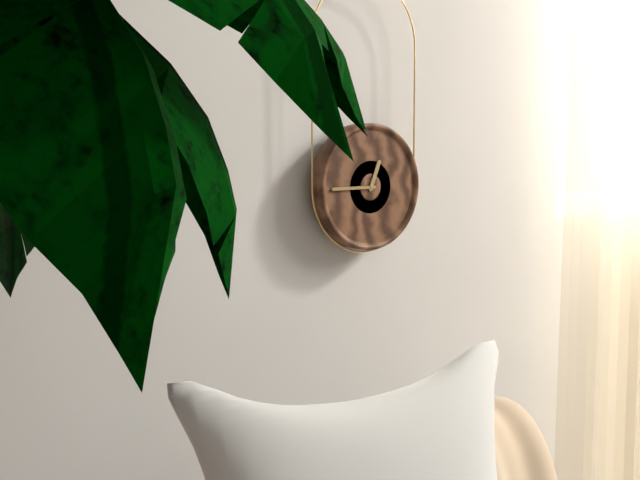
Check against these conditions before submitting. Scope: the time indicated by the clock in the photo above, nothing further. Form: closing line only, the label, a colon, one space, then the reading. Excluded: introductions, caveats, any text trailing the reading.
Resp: 12:45
